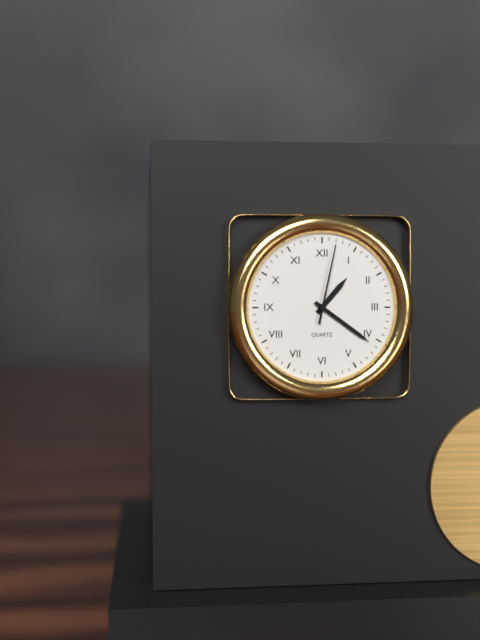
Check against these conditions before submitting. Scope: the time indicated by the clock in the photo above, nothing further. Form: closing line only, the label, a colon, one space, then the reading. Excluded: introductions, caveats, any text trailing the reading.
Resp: 1:21:02
